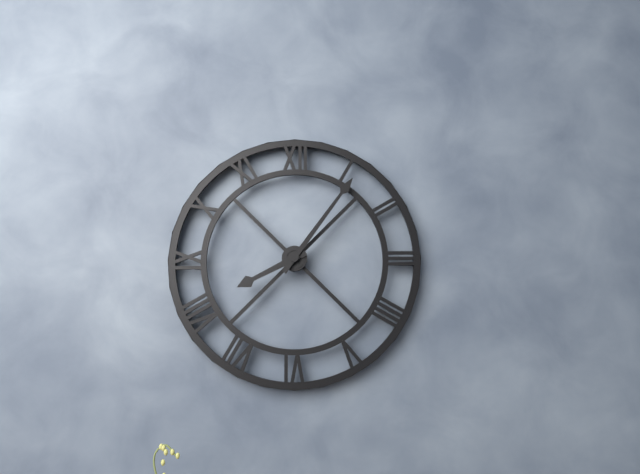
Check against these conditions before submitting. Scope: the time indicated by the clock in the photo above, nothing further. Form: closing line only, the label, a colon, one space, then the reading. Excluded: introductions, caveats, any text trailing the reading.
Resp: 8:06
